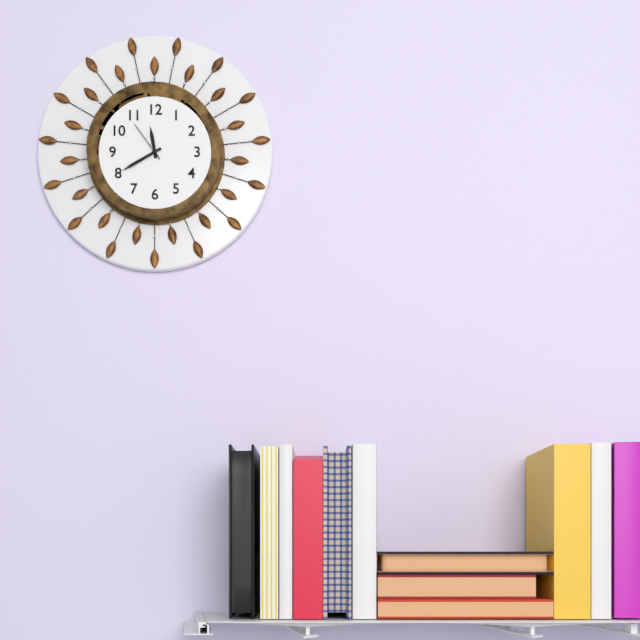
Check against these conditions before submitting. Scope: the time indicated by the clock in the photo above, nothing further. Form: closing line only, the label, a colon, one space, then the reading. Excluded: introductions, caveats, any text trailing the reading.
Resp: 11:40
